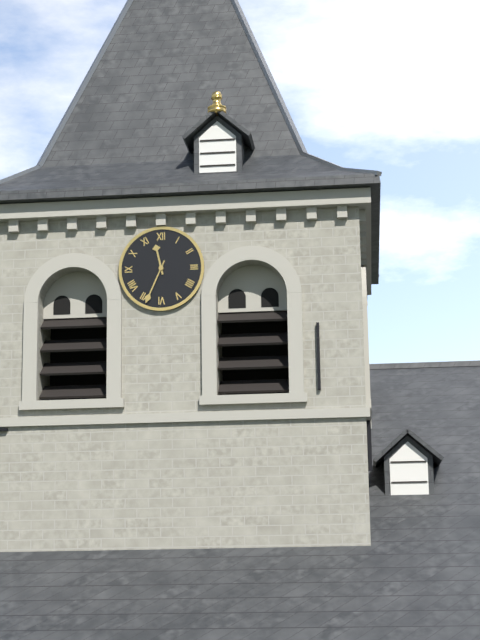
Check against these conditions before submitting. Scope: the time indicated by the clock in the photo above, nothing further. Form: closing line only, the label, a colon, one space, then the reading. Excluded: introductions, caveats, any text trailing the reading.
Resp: 11:34
